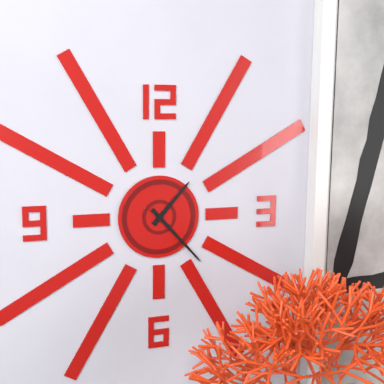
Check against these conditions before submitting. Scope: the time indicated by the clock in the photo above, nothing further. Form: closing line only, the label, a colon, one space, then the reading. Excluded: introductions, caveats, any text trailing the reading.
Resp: 1:23
